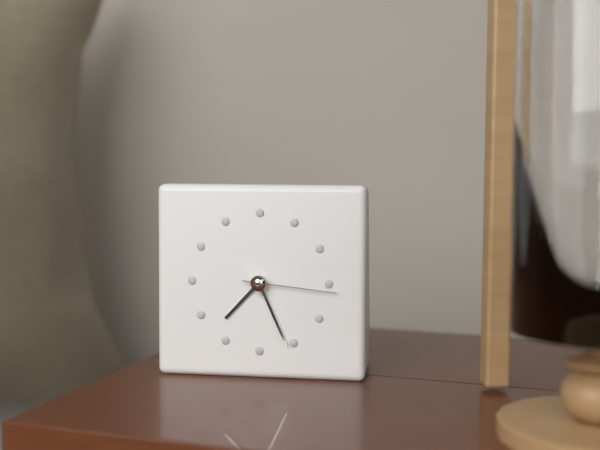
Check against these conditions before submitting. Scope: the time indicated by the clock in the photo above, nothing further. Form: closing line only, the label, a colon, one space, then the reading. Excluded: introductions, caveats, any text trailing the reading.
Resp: 7:26:16
